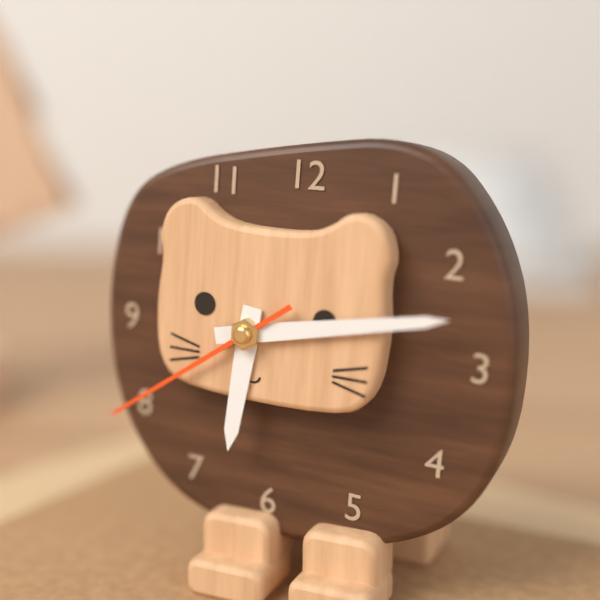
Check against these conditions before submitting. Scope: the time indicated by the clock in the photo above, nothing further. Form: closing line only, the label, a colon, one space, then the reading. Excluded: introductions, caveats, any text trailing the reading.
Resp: 6:13:39
